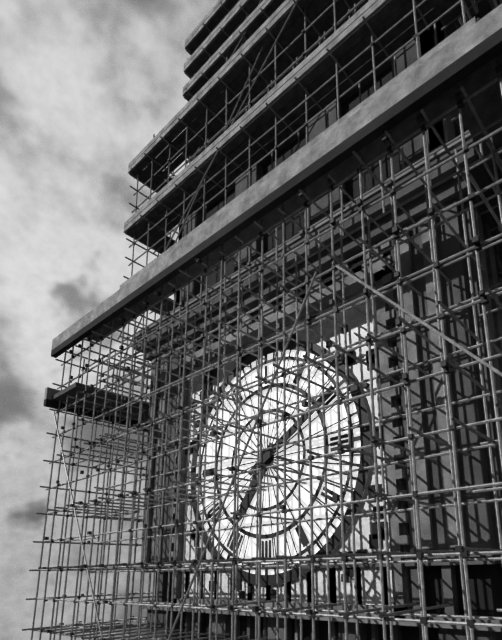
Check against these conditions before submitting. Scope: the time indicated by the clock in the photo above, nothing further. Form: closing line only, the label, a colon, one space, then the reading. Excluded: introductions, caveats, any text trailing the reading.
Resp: 7:10
